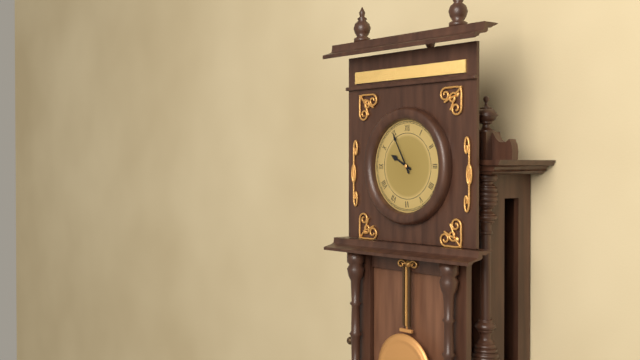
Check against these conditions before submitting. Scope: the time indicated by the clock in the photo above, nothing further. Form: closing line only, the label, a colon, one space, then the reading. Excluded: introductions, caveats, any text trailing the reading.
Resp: 9:55
